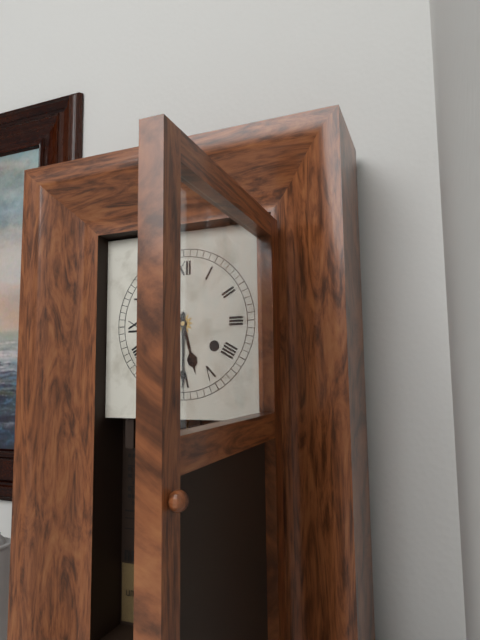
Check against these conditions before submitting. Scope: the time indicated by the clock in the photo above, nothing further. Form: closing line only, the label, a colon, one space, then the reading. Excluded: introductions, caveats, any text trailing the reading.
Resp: 5:30
